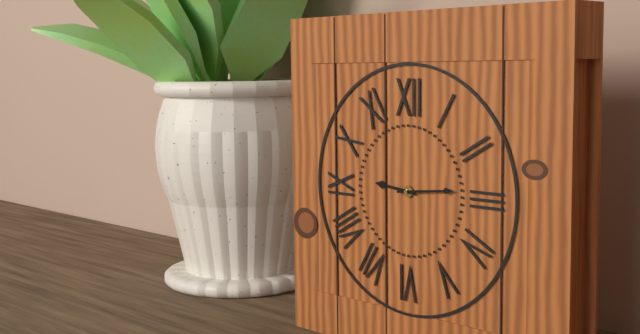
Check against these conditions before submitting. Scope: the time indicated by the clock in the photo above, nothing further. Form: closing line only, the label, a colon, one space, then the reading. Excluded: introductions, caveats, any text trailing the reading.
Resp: 9:14
